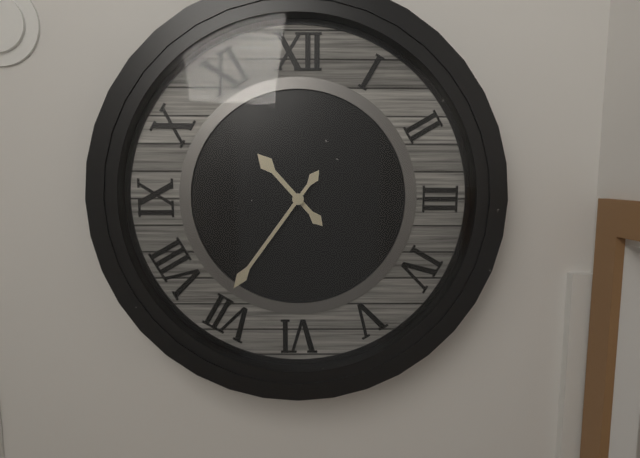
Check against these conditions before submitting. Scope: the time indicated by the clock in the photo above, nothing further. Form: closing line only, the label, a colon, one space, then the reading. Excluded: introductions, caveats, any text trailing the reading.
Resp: 10:36
